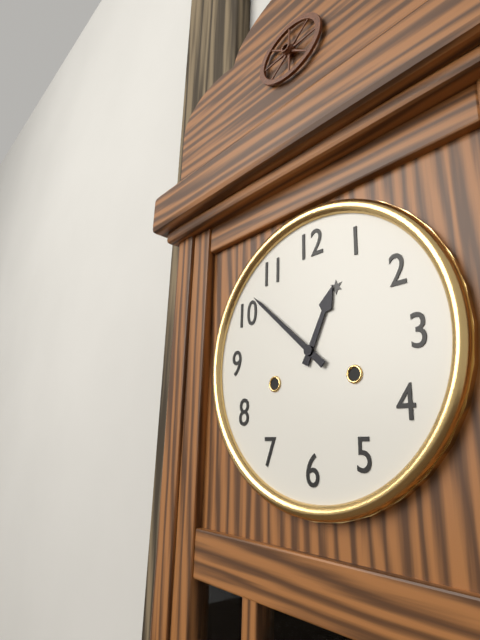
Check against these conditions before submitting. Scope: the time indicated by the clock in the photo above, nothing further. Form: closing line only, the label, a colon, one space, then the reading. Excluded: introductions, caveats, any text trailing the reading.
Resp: 12:52
